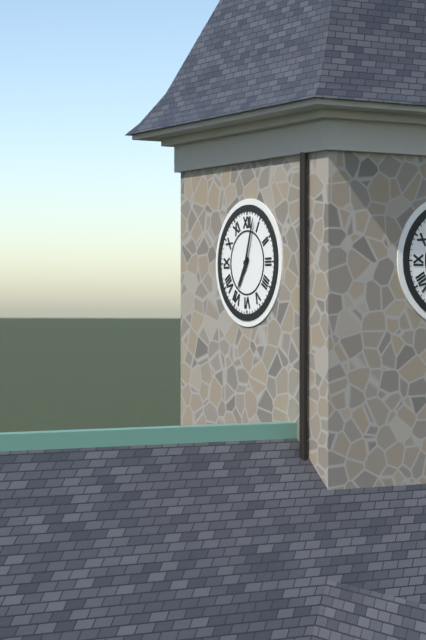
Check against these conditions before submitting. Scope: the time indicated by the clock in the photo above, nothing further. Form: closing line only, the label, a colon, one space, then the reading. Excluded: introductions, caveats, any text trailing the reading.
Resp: 7:03
